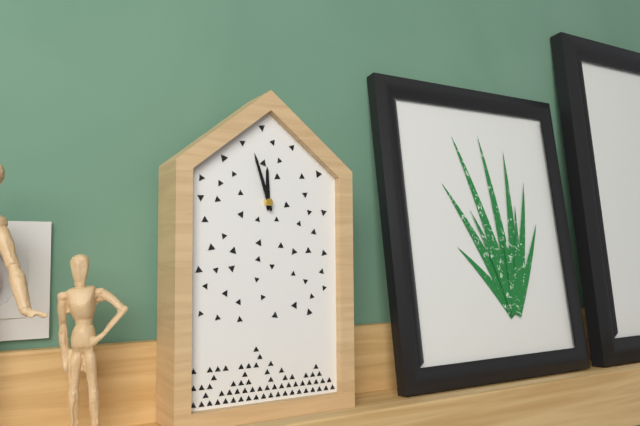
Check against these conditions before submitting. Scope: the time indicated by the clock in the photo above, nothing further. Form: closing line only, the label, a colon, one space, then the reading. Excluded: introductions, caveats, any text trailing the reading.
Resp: 11:57
